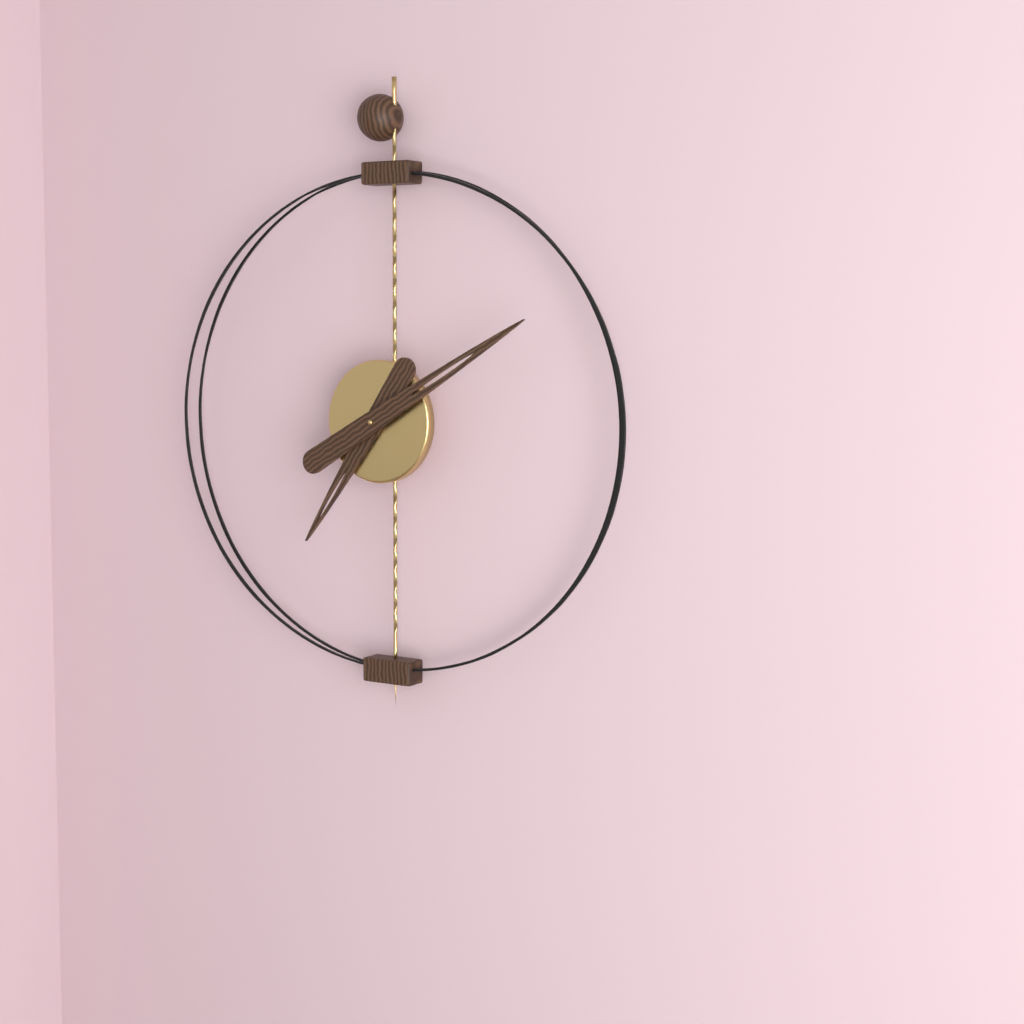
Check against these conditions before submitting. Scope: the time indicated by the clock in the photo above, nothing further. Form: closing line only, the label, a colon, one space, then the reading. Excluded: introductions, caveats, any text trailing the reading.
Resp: 7:10
